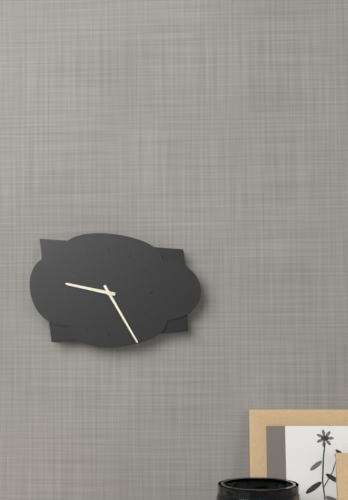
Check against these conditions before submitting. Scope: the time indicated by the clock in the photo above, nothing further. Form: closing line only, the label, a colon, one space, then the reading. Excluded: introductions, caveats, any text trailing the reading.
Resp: 9:25
